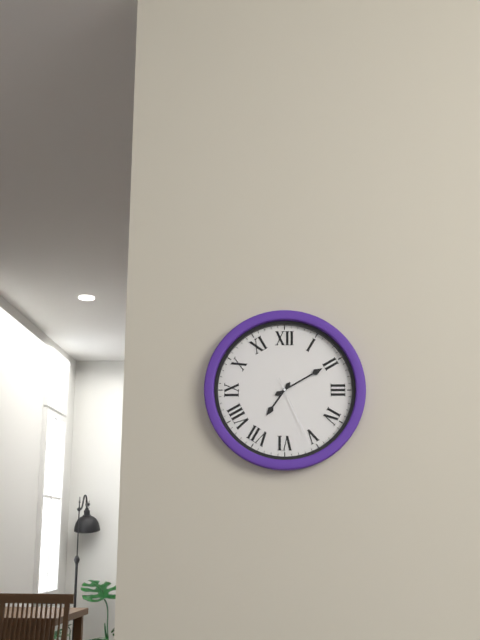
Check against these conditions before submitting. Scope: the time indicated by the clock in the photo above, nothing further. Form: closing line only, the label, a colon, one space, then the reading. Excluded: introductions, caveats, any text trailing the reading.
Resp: 7:10:26
